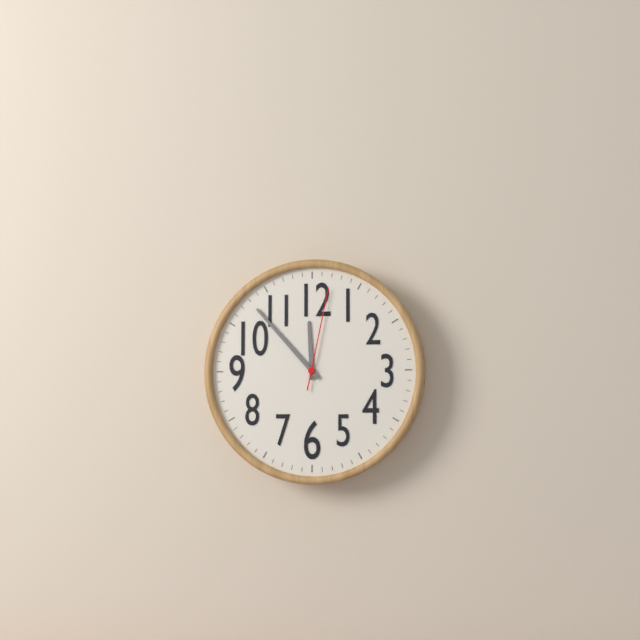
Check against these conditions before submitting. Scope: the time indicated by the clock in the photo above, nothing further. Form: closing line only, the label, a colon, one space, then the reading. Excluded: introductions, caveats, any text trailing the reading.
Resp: 11:53:02
